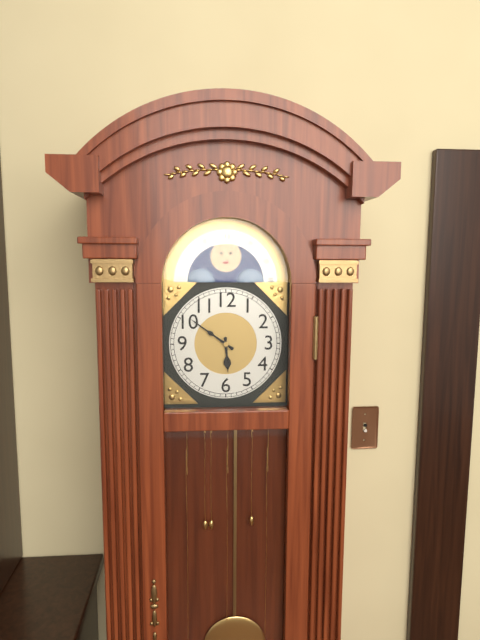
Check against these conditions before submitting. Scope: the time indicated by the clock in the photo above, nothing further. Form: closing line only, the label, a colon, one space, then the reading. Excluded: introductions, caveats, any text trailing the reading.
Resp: 5:51
